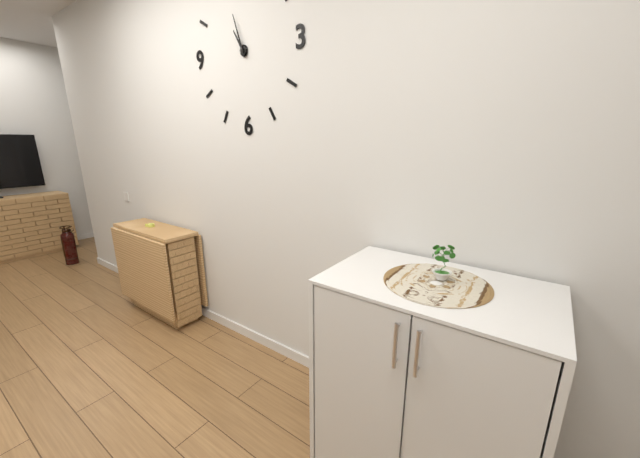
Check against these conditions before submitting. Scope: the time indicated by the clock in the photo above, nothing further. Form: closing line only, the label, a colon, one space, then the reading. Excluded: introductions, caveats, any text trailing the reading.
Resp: 10:57
